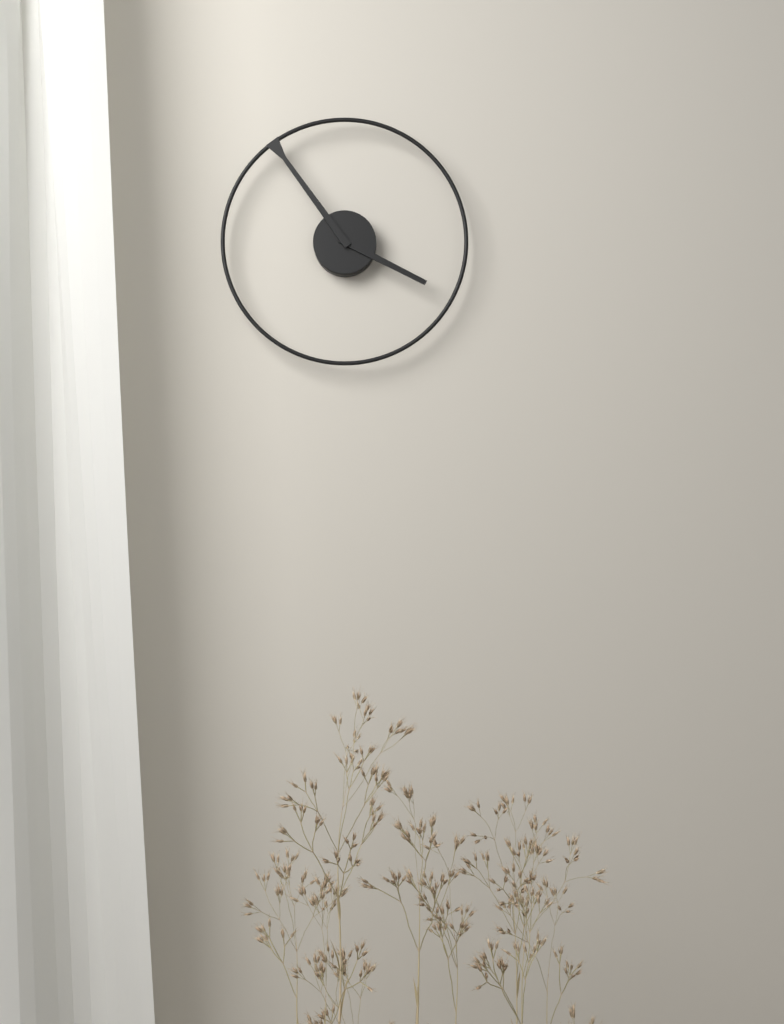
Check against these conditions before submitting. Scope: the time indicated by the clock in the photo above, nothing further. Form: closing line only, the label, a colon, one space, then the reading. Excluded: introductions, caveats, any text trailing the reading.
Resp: 3:54
